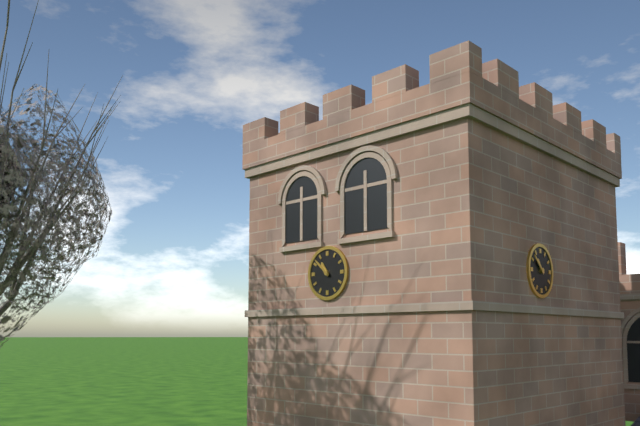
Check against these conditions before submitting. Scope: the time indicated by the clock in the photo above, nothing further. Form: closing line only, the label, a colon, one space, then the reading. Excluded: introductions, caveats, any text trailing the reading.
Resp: 10:52
